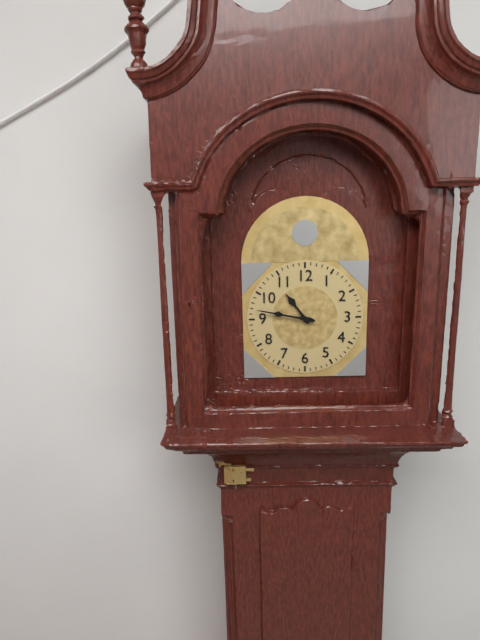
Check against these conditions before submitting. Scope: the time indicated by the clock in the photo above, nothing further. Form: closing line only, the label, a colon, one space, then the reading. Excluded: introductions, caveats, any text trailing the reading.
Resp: 10:47
